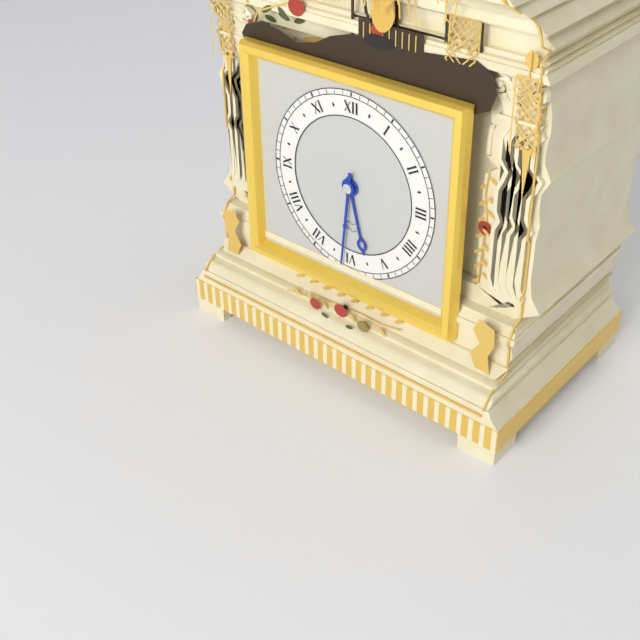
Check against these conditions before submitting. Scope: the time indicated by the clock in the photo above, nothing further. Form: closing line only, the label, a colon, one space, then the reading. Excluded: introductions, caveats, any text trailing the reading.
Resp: 5:31
